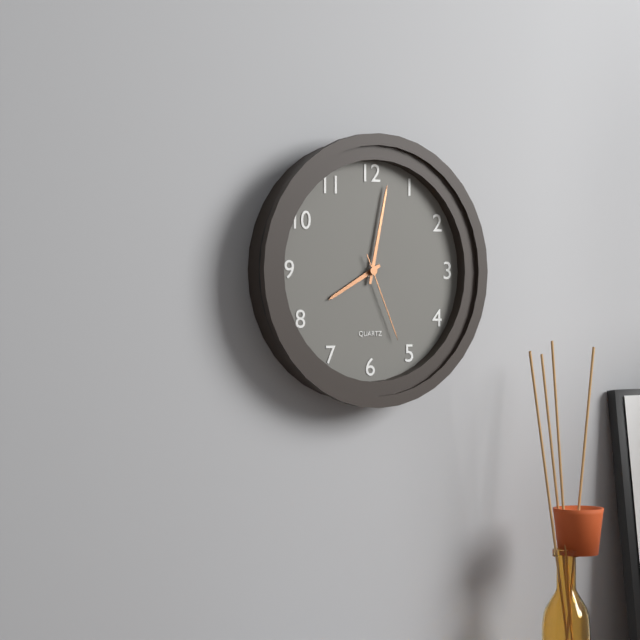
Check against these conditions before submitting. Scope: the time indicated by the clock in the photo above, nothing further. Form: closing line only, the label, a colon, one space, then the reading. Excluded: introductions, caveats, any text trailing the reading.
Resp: 8:02:26
